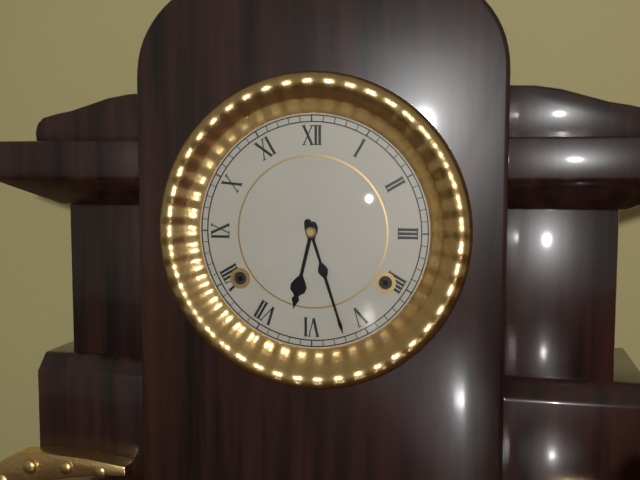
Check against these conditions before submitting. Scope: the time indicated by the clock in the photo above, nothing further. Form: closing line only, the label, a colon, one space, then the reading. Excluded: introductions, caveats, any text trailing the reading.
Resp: 6:27
